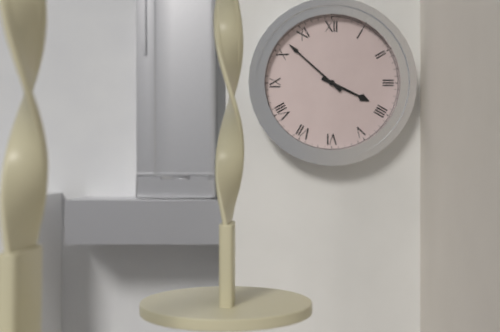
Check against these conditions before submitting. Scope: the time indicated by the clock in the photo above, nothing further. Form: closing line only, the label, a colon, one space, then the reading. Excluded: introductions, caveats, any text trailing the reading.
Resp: 3:52
